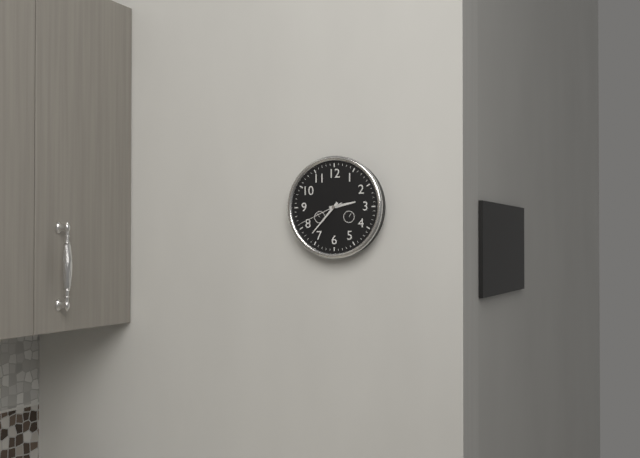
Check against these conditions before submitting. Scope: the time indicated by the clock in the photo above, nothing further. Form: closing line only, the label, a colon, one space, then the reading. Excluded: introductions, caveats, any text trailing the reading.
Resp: 2:37
